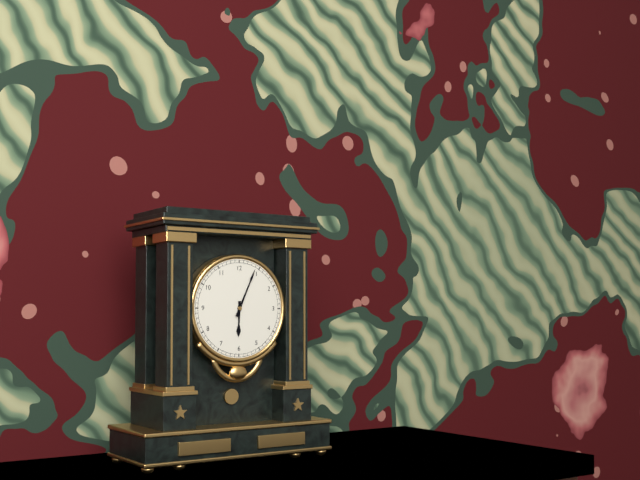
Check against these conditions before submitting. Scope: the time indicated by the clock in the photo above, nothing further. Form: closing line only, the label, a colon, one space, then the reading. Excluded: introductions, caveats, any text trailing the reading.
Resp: 6:04
